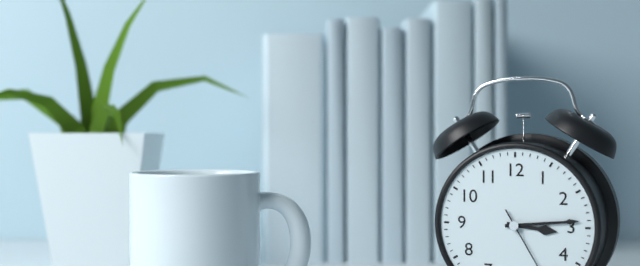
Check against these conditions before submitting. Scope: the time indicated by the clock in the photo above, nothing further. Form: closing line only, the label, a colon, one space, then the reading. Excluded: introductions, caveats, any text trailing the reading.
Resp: 3:14
